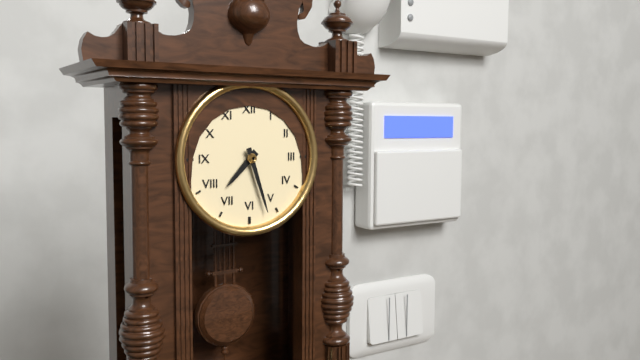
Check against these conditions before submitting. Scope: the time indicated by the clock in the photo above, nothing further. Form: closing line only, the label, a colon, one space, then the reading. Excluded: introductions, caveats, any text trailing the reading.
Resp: 7:27
